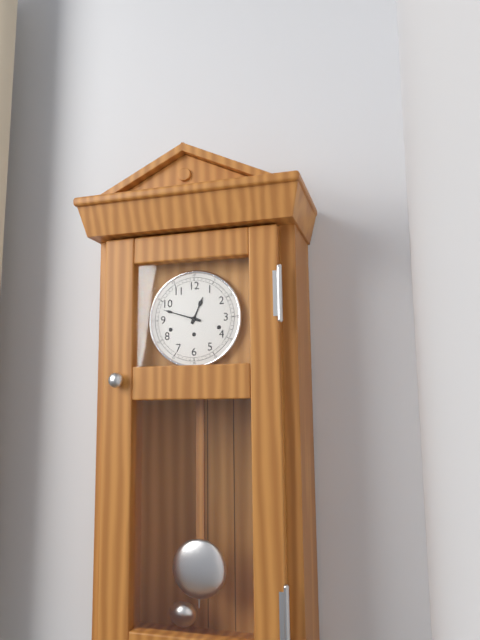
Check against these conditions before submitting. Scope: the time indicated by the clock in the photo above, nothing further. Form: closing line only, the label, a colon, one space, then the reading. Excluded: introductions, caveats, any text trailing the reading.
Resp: 12:48
